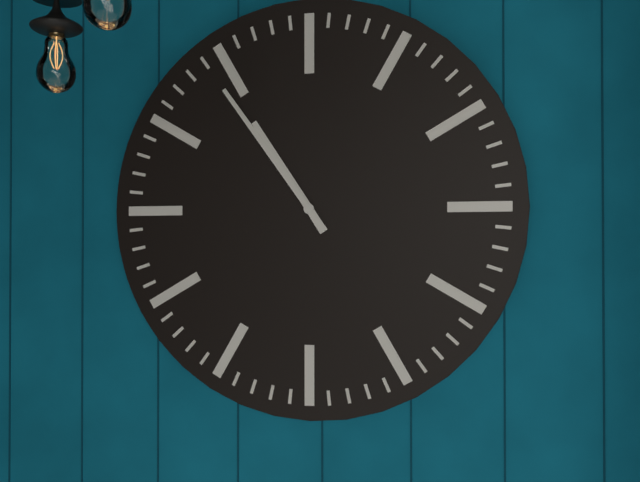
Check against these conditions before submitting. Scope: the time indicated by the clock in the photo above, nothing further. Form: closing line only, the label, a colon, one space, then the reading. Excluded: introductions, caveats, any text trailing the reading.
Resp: 10:54
